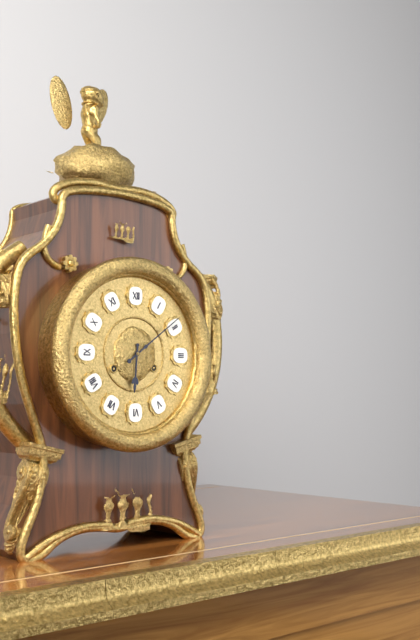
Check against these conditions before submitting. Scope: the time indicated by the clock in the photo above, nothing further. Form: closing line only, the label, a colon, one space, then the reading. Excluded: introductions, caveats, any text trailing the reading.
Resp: 6:09
